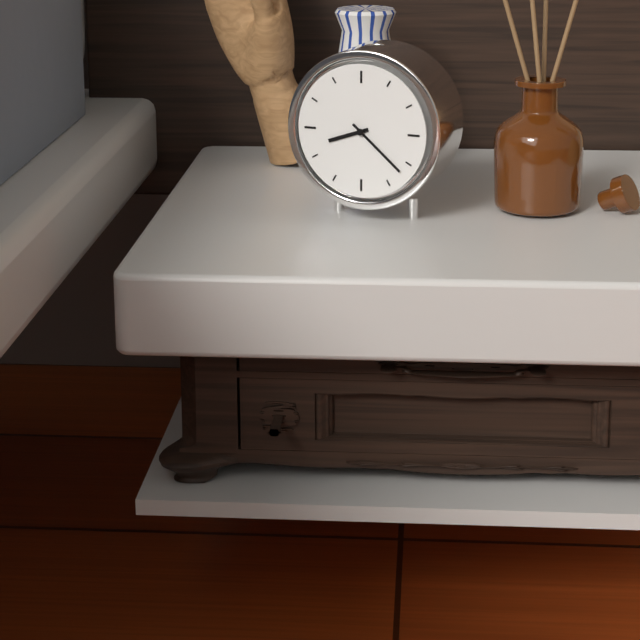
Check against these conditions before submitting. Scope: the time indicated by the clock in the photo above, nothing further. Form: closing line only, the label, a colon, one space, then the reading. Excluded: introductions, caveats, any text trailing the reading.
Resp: 8:22
